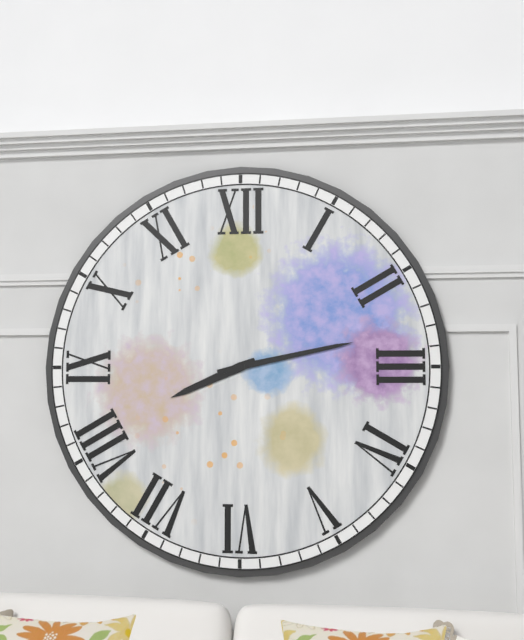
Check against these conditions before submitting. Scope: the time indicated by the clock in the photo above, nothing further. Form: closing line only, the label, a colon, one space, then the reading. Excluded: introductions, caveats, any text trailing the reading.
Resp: 8:13
